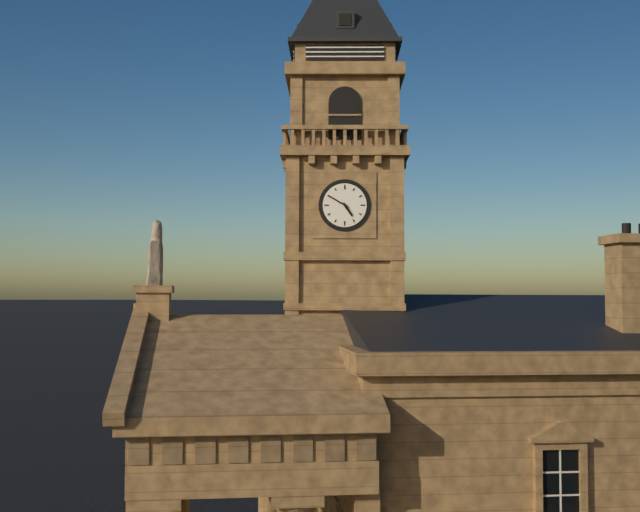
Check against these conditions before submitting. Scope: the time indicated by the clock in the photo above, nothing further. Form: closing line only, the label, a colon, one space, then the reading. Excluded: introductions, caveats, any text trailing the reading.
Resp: 4:50
